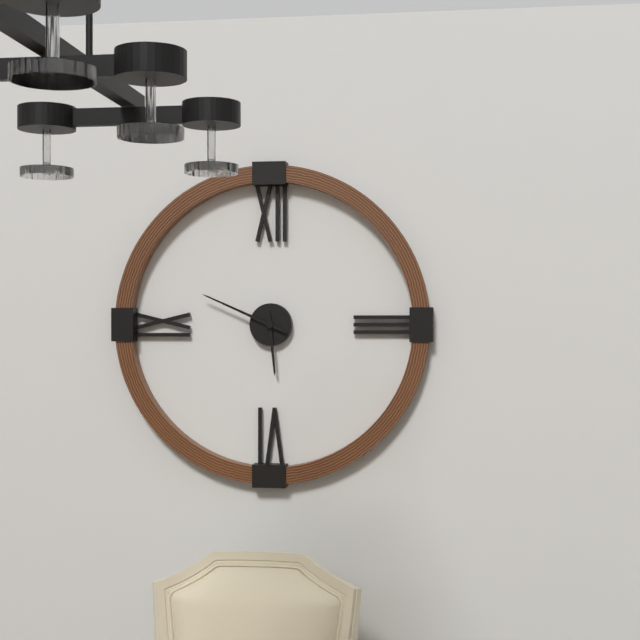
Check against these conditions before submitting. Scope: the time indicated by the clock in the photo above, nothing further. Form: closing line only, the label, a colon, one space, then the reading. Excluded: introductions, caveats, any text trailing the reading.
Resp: 5:49
